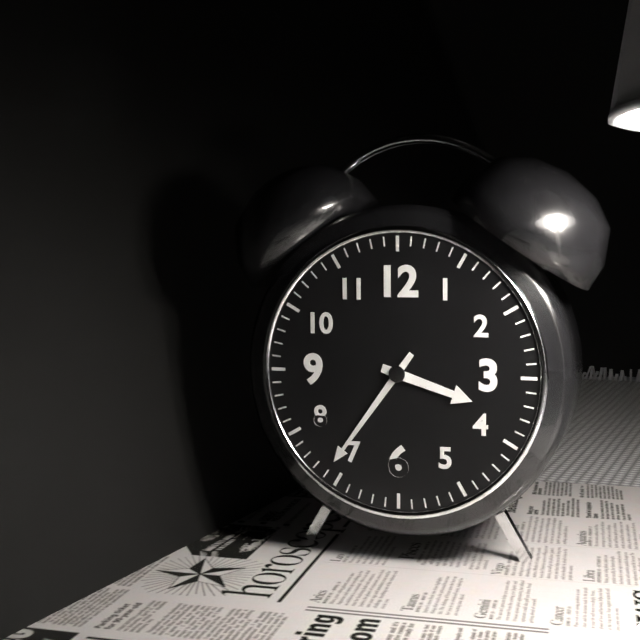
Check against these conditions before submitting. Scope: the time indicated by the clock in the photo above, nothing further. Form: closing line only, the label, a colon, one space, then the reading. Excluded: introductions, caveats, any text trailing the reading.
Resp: 3:36
